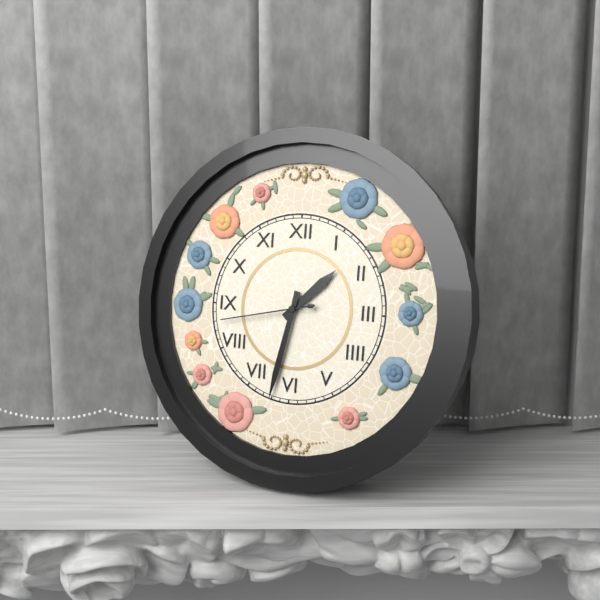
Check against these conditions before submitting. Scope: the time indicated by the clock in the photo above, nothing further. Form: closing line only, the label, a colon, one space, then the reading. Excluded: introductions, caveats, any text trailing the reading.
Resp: 1:32:43
